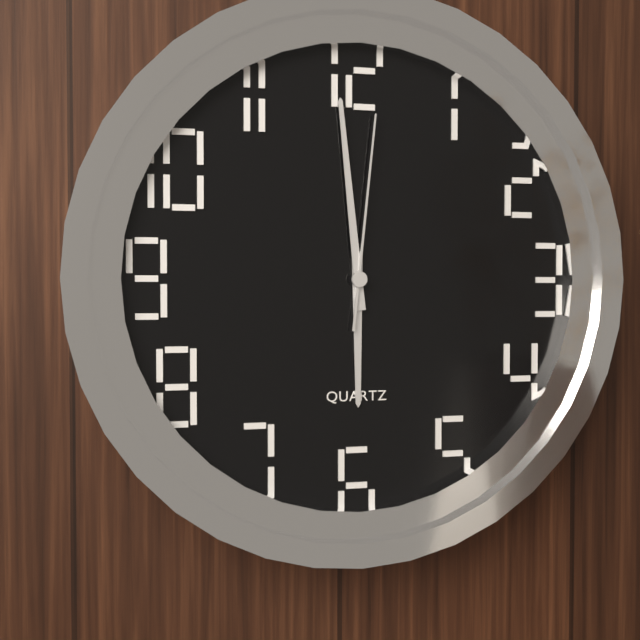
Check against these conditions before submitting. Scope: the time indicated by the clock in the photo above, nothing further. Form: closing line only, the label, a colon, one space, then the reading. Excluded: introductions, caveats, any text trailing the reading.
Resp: 5:59:01
